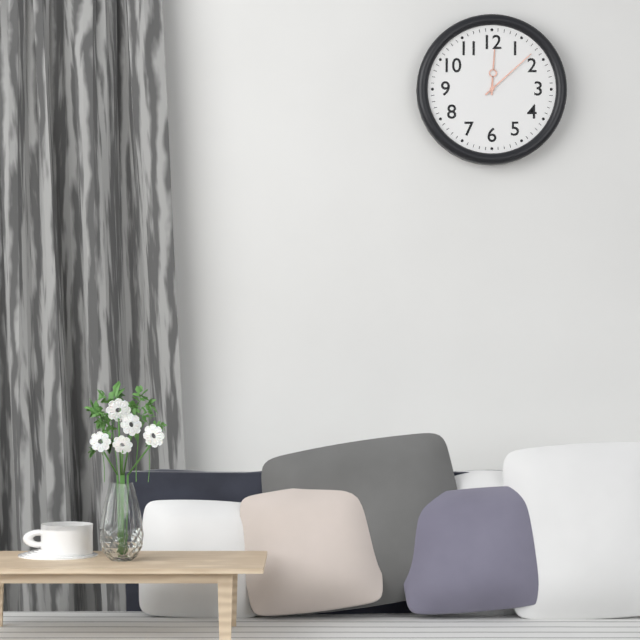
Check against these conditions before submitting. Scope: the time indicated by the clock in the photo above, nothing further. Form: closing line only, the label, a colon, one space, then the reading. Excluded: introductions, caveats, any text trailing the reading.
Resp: 12:08
